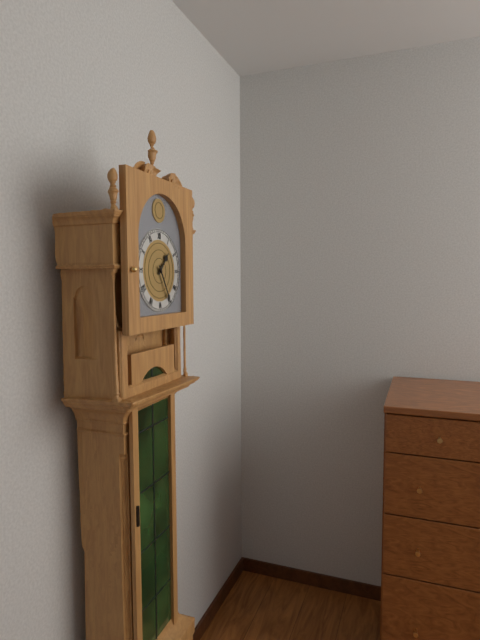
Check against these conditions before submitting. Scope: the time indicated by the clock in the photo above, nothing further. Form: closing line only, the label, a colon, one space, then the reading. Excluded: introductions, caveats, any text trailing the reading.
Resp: 1:25
